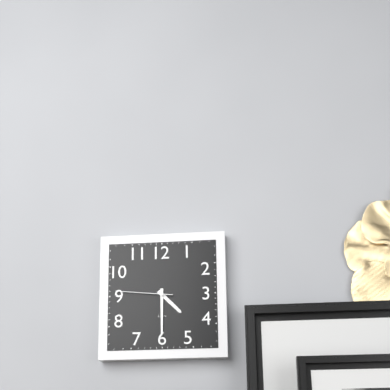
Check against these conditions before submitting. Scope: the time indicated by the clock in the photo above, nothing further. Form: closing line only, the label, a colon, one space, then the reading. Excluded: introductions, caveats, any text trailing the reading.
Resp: 4:30:46
